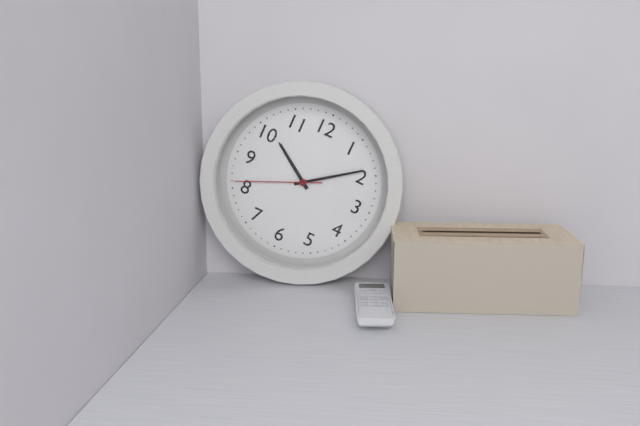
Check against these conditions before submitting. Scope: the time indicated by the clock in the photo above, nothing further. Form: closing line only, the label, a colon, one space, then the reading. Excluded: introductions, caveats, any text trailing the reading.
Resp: 10:09:41
